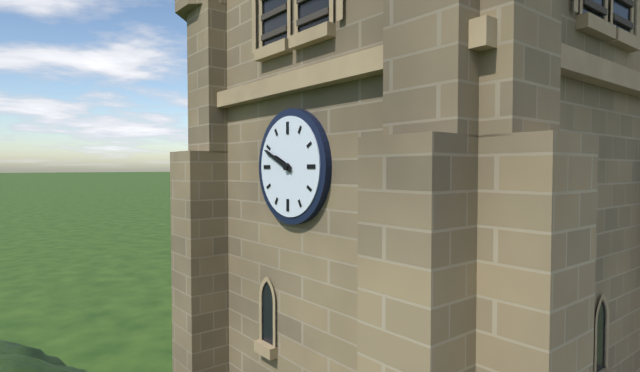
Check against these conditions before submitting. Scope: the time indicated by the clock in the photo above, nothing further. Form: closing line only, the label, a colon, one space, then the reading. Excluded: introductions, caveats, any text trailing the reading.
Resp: 9:49
